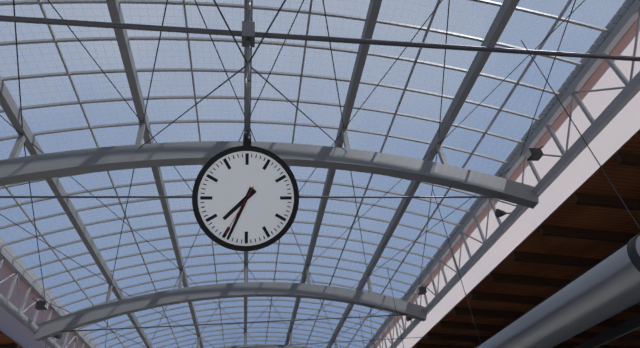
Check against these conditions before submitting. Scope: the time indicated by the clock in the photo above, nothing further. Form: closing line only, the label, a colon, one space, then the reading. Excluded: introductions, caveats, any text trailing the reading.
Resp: 7:34:35
